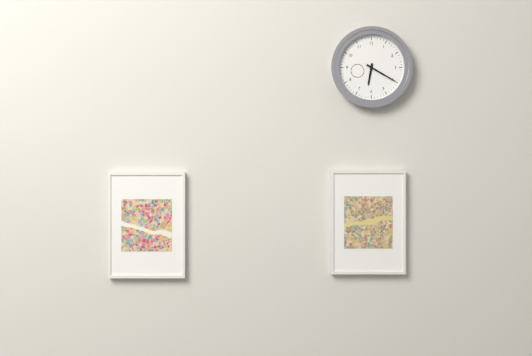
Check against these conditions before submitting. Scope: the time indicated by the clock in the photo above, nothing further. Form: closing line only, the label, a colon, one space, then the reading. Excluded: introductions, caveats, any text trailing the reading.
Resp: 6:20
